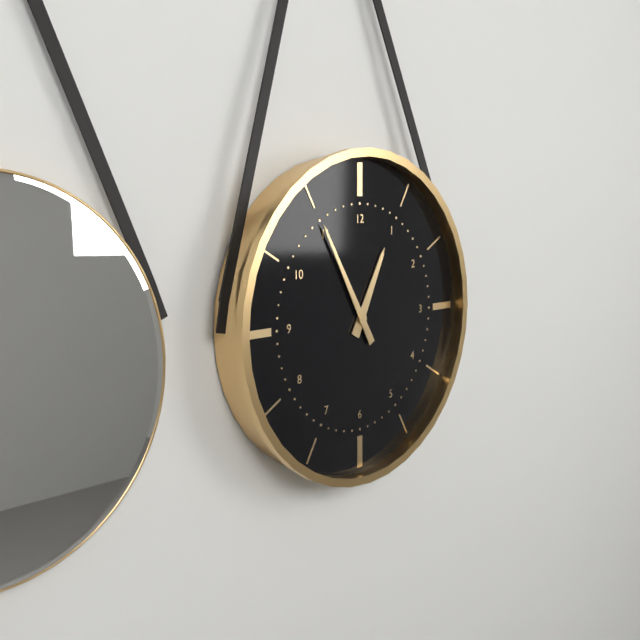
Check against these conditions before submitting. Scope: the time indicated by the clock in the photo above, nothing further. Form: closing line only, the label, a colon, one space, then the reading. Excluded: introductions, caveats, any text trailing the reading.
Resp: 12:55
